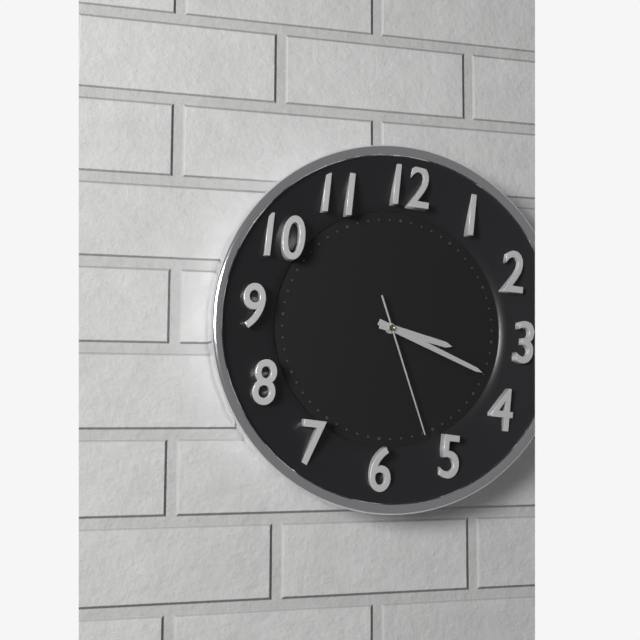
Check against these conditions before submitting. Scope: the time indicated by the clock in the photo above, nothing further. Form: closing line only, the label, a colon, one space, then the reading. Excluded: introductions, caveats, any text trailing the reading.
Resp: 3:18:26
